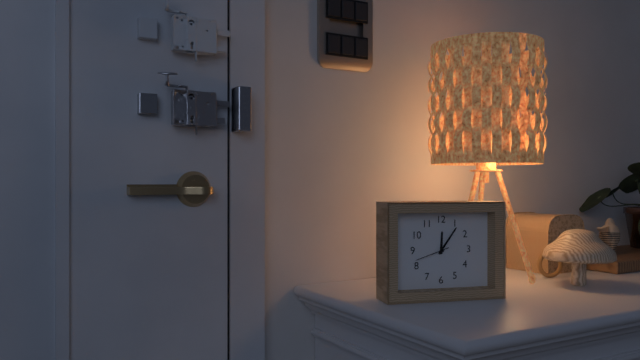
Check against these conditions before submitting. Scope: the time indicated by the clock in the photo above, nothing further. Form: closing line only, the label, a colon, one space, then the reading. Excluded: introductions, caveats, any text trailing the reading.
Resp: 12:06
